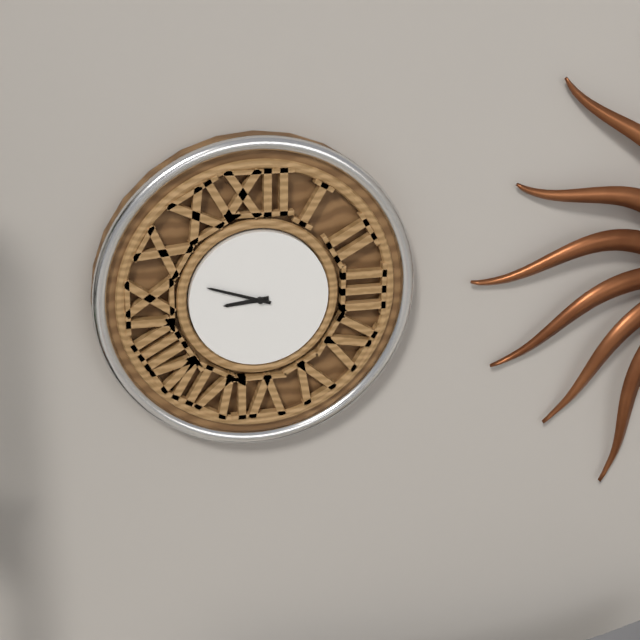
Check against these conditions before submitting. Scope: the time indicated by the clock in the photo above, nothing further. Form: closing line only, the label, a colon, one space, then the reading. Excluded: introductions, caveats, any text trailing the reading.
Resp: 8:48
